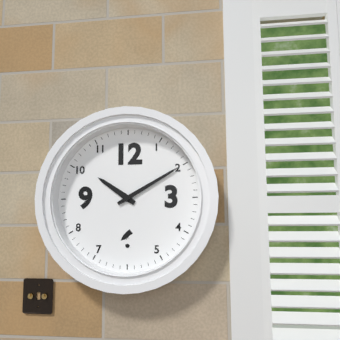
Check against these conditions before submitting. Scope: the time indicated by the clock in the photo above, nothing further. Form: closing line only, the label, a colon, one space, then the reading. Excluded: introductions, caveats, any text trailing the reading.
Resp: 10:10
